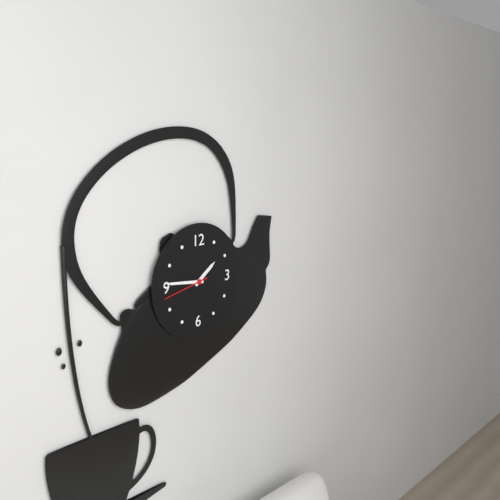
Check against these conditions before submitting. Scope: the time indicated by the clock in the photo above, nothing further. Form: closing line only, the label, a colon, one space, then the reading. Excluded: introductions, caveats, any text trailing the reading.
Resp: 1:46
